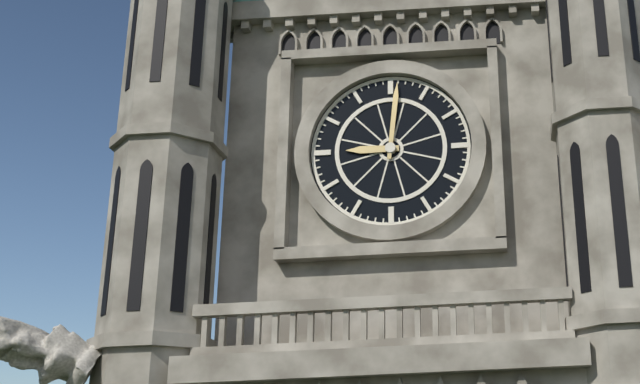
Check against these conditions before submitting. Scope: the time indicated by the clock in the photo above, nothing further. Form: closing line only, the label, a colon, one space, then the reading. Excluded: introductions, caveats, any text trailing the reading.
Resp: 9:01
